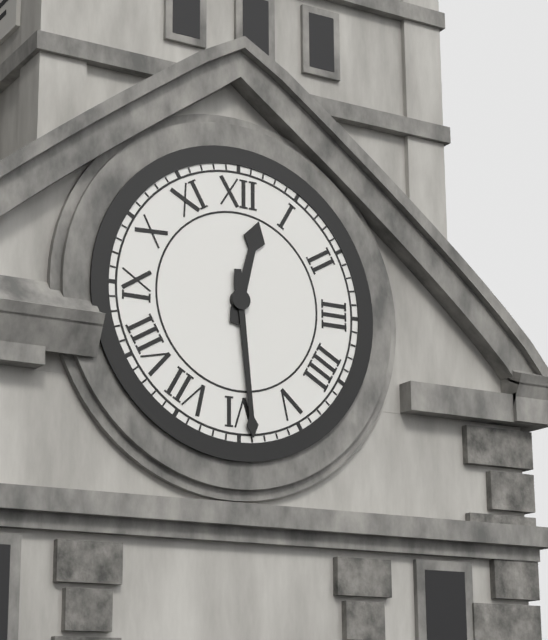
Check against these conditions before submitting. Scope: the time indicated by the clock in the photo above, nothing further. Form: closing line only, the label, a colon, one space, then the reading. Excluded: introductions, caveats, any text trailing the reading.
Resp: 12:29
